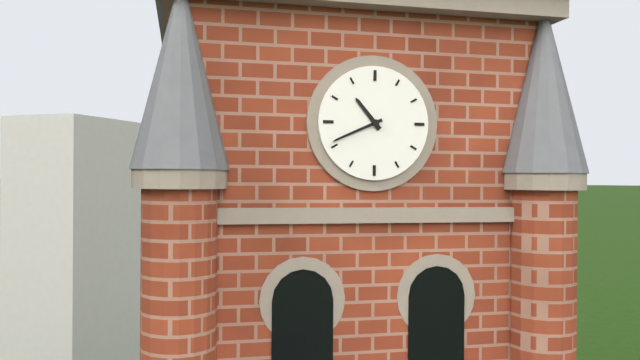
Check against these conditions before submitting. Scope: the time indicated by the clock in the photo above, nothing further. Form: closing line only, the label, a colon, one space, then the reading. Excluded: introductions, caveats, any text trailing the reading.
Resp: 10:41
